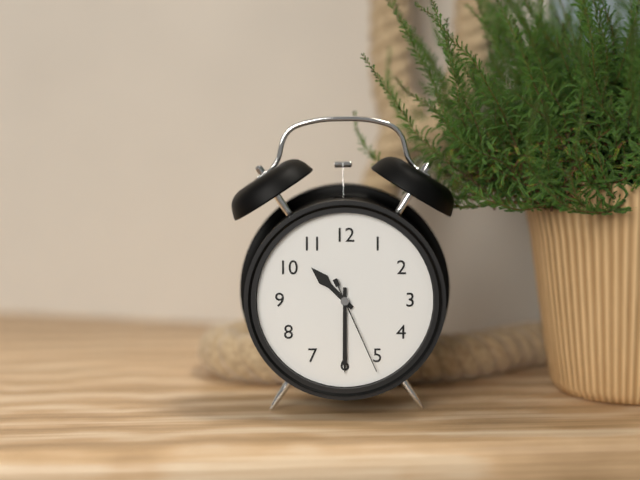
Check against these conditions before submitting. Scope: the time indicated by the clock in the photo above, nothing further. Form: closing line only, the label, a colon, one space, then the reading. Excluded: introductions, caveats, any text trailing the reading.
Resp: 10:30:26
